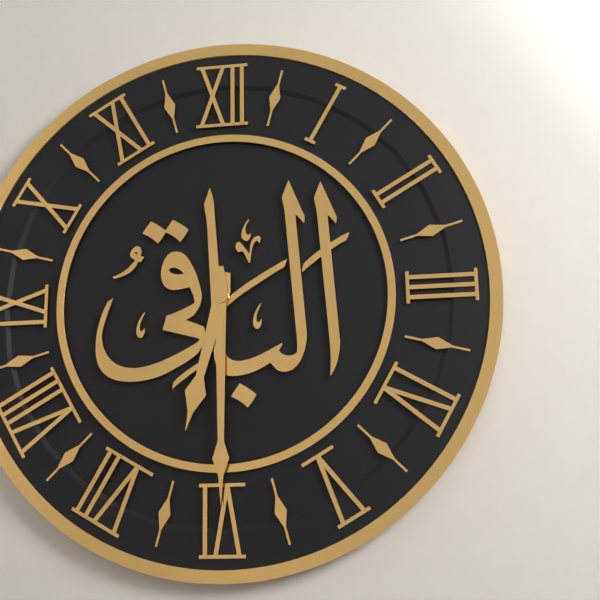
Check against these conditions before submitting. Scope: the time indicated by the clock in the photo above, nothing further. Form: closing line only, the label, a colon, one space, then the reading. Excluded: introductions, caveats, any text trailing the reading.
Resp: 6:30
